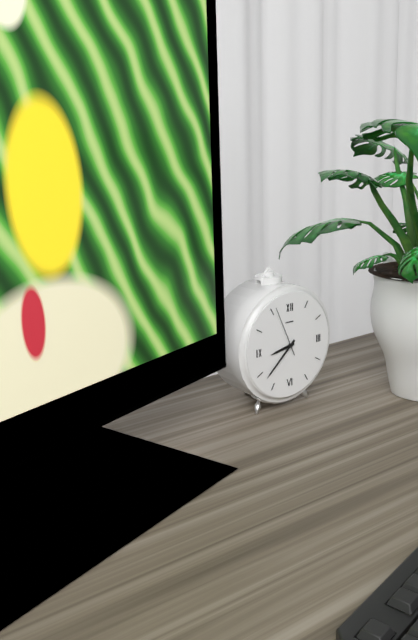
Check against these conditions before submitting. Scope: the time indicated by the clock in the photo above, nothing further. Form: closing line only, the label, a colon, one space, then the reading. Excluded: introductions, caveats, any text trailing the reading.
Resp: 8:38
